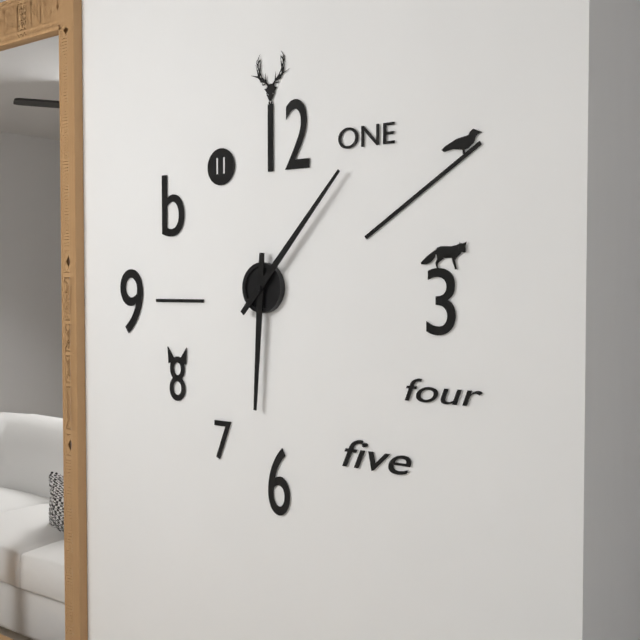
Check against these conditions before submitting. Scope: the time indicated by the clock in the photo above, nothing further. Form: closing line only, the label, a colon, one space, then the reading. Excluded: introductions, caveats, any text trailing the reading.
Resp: 6:07
